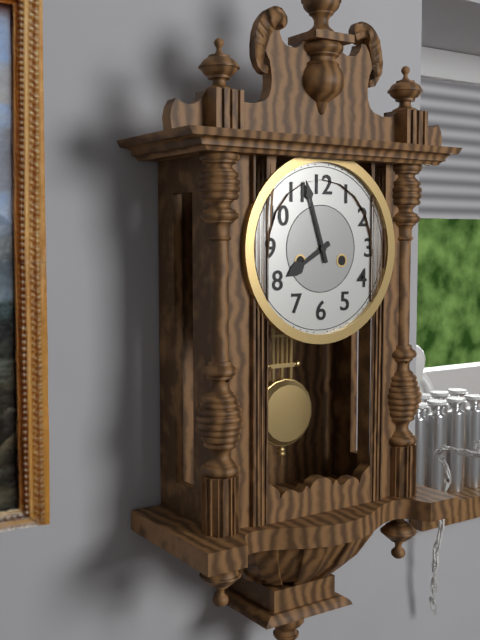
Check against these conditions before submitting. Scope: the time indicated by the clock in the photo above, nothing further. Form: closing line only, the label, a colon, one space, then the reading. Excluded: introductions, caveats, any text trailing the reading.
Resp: 7:57
